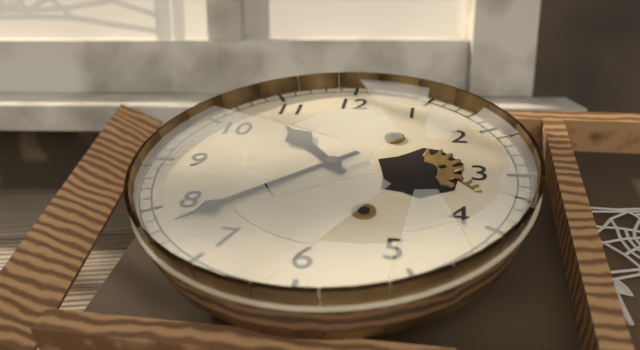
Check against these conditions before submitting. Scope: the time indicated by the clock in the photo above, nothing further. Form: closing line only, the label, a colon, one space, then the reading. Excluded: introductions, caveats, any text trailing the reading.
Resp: 10:38
